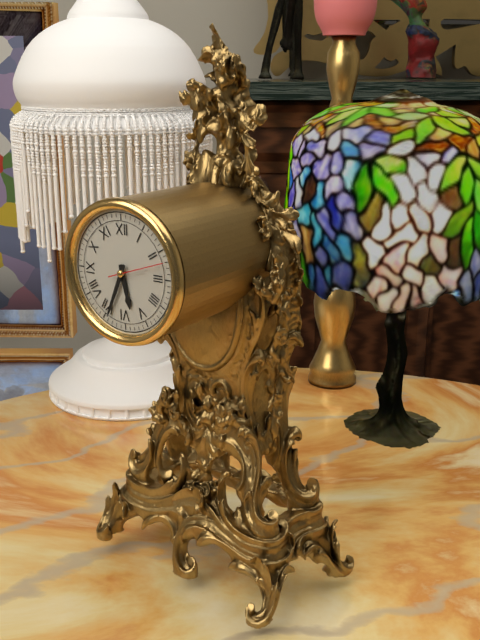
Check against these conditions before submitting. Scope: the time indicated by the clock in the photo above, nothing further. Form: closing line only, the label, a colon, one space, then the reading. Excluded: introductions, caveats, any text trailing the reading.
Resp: 5:34:12
